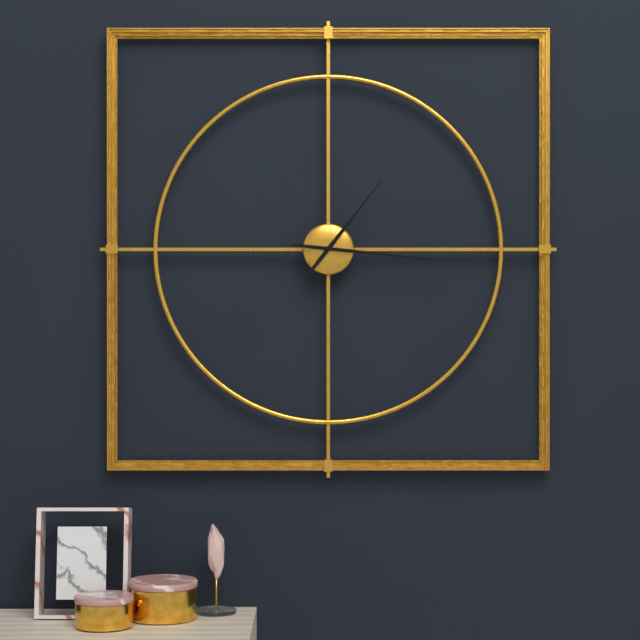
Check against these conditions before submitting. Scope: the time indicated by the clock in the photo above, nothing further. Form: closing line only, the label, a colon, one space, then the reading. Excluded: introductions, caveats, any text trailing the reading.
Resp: 1:16
